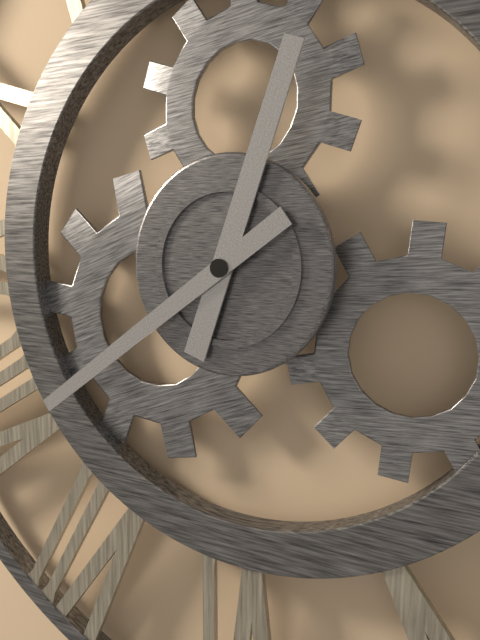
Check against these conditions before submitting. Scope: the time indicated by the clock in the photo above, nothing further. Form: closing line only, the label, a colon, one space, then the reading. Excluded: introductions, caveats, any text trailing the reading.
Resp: 12:39
